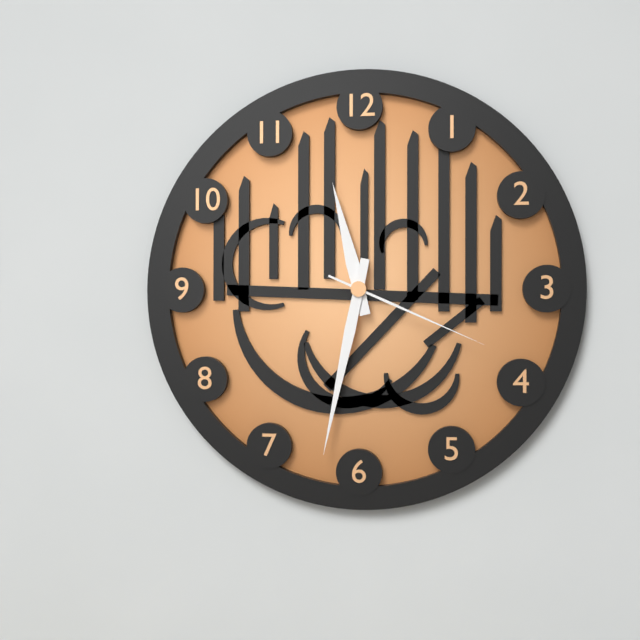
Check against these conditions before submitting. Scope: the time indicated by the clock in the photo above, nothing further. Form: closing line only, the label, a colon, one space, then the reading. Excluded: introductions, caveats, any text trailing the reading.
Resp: 11:32:19
